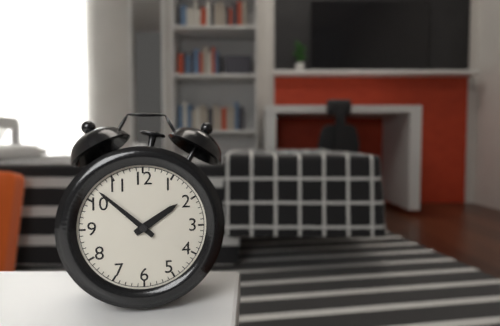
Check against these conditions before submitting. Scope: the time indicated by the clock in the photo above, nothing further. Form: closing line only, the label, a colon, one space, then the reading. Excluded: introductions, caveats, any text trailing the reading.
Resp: 1:52
